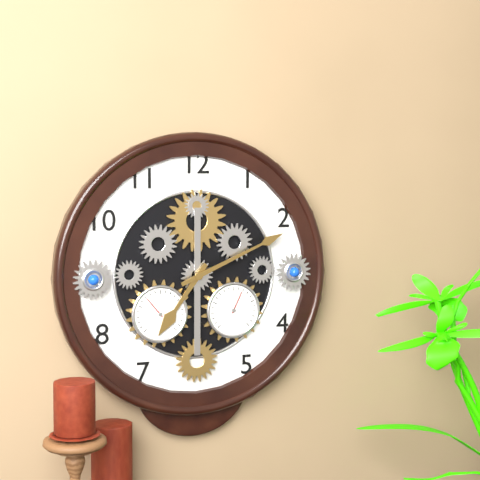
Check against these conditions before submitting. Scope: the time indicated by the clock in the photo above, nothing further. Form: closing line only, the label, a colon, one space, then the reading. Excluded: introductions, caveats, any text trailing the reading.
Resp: 7:11
